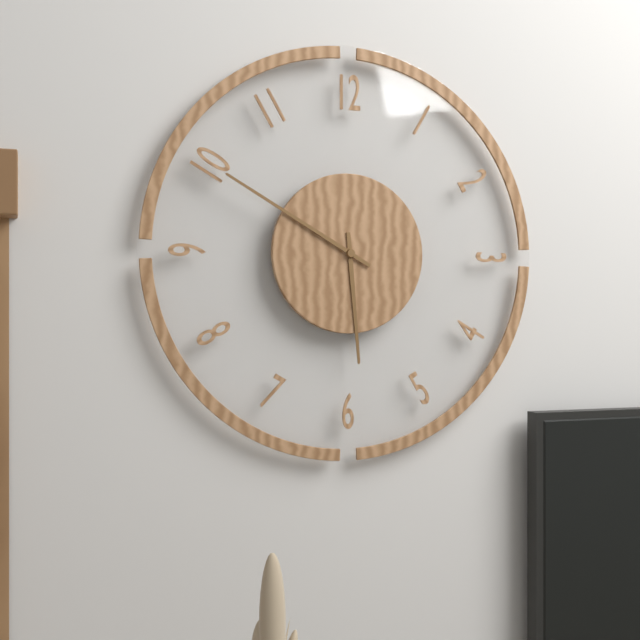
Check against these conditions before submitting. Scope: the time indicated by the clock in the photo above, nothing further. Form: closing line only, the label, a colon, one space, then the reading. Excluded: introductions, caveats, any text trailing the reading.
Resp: 5:50
